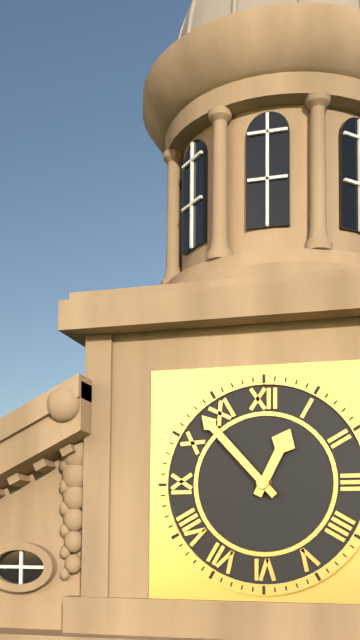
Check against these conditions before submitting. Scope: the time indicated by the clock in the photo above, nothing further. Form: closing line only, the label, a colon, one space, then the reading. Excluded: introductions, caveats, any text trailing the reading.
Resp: 12:53
